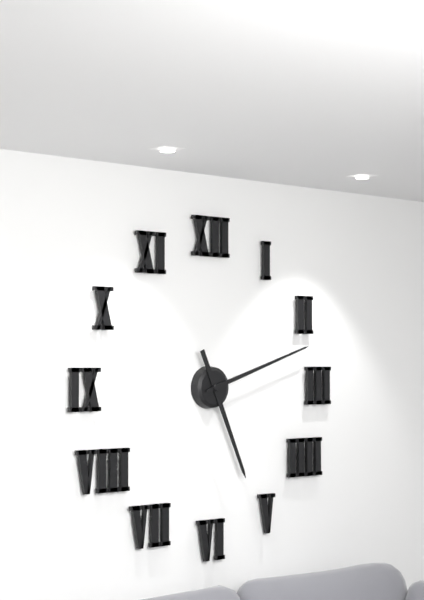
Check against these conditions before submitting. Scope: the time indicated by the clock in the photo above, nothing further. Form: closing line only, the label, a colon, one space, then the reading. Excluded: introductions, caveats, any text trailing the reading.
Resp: 5:12
